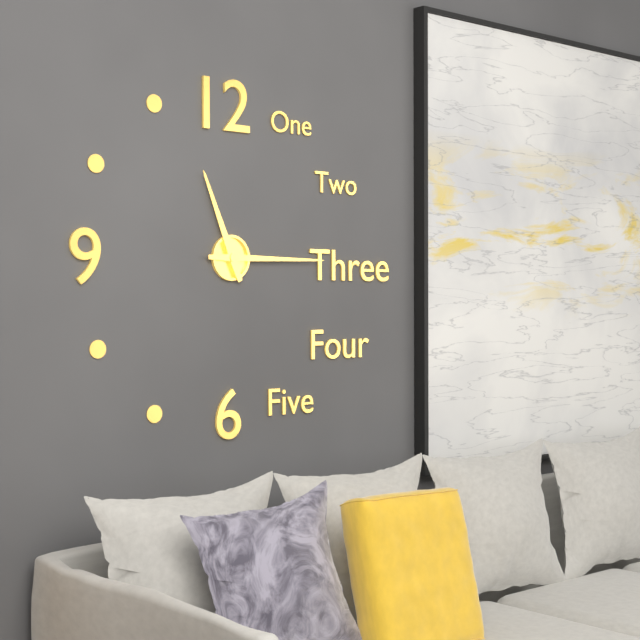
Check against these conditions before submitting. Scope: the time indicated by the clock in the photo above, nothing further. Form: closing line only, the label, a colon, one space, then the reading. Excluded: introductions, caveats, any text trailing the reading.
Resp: 11:15
